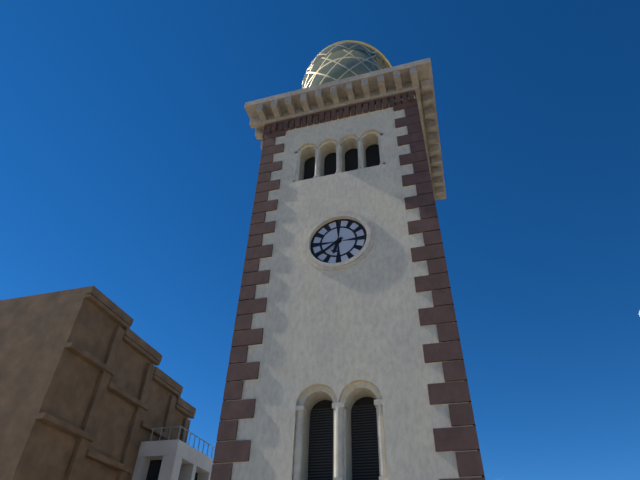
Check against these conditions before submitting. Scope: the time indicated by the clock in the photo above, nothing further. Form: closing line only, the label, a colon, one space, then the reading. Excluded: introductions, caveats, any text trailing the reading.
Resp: 6:39
